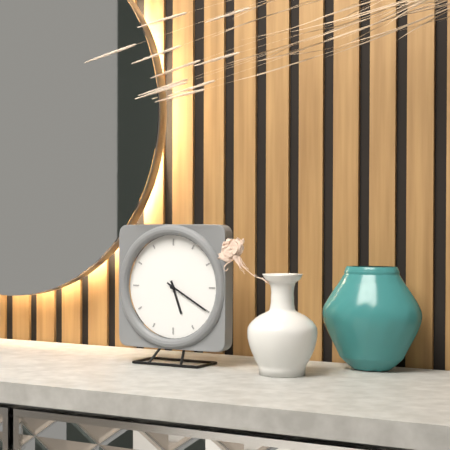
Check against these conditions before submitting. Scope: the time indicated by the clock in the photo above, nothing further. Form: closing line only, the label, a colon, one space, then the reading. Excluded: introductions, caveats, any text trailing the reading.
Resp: 5:20
